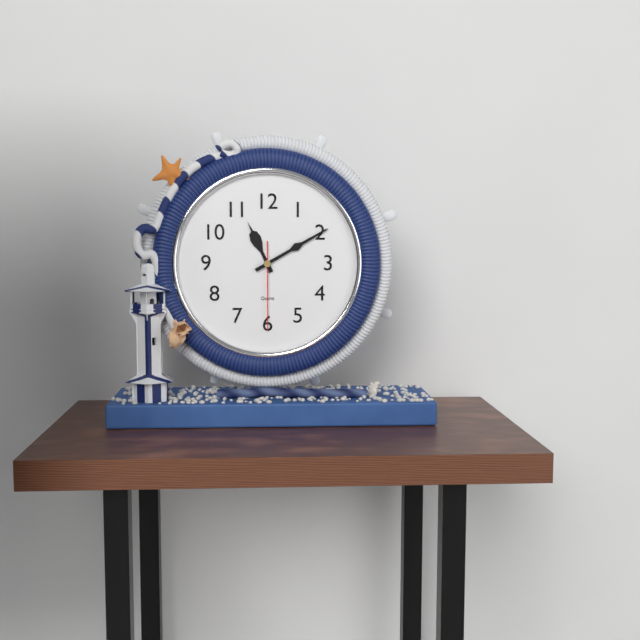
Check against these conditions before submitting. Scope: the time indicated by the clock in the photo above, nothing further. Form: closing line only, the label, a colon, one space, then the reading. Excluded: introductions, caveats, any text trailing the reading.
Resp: 11:10:30
